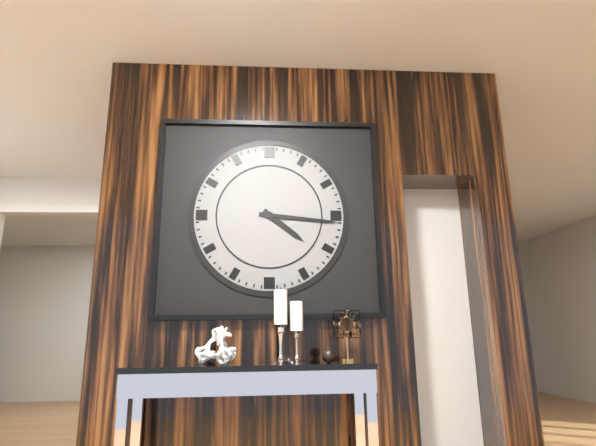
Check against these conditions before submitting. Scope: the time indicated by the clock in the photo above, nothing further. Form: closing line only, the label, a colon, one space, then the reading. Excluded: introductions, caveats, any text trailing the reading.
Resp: 4:16
